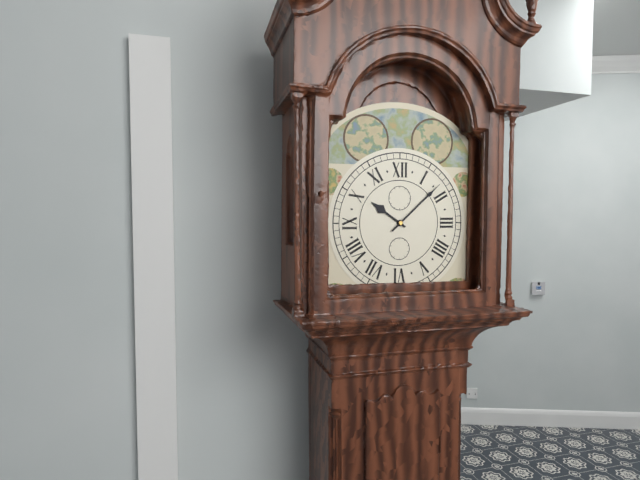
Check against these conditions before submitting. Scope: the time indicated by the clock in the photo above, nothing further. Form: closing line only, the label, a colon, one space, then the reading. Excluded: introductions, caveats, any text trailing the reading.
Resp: 10:08
